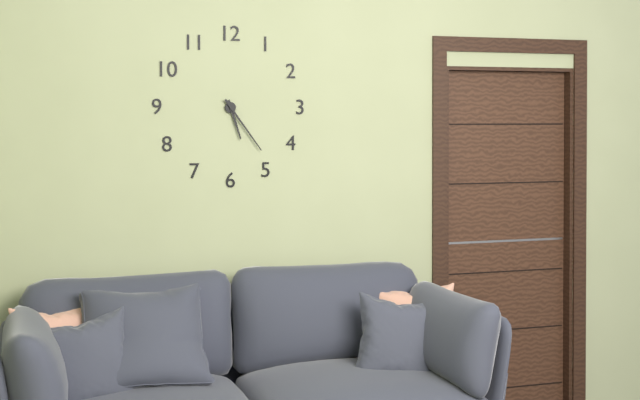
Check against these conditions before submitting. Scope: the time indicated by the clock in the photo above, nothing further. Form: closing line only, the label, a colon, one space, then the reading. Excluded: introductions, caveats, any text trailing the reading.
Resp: 5:24
